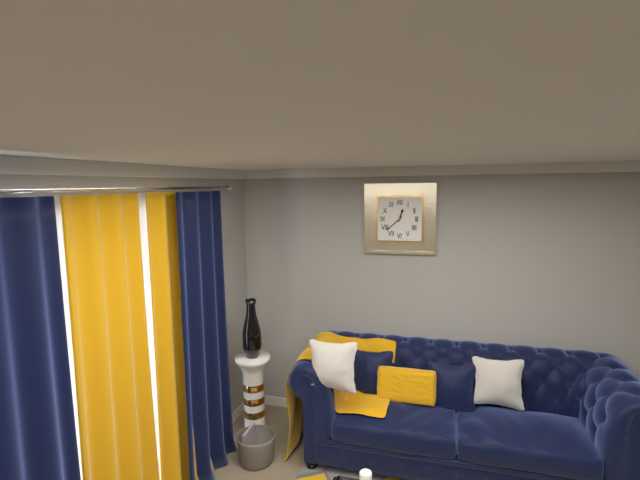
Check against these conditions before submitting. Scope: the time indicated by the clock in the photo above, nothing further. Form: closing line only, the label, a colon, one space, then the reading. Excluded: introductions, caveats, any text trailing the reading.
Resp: 12:38
